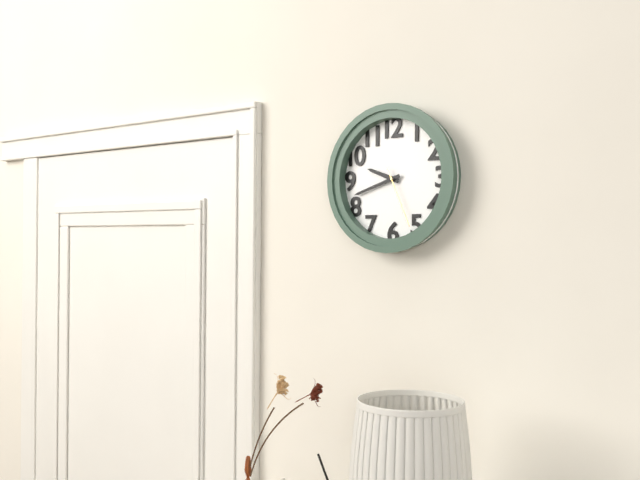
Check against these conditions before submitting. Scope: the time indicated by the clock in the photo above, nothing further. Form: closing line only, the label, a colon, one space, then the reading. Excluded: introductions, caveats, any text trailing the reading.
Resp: 9:42:26
